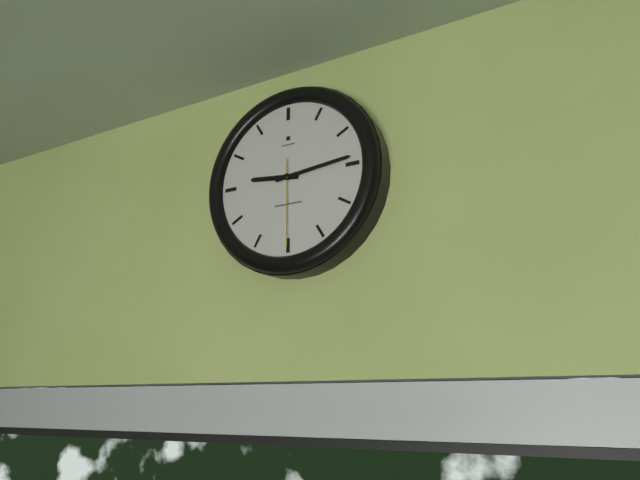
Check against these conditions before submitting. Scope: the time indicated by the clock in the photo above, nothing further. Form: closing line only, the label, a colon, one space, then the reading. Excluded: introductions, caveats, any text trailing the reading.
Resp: 9:14:30
